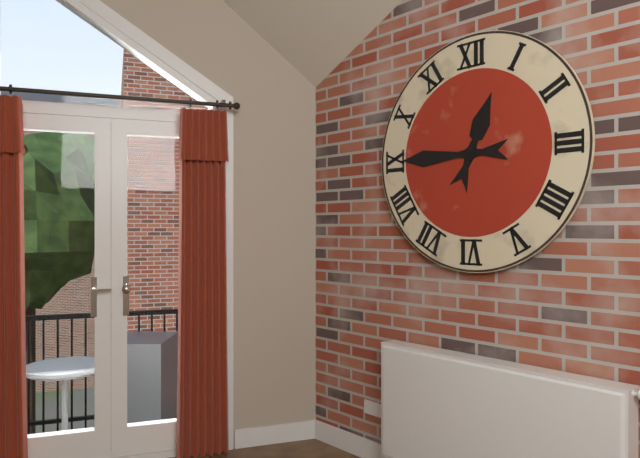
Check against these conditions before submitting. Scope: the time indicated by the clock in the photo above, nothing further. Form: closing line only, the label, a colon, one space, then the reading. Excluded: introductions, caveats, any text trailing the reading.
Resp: 12:45
